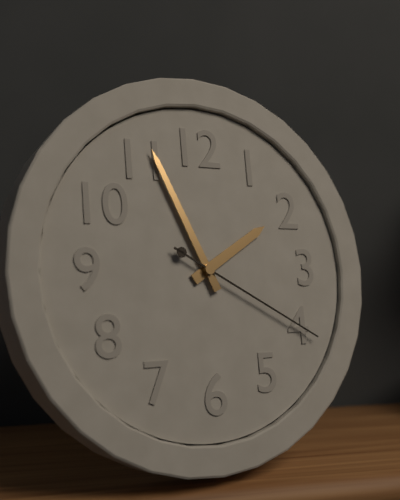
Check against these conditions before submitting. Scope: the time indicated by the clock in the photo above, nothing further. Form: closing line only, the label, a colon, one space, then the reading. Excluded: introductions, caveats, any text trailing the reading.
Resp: 1:56:20
